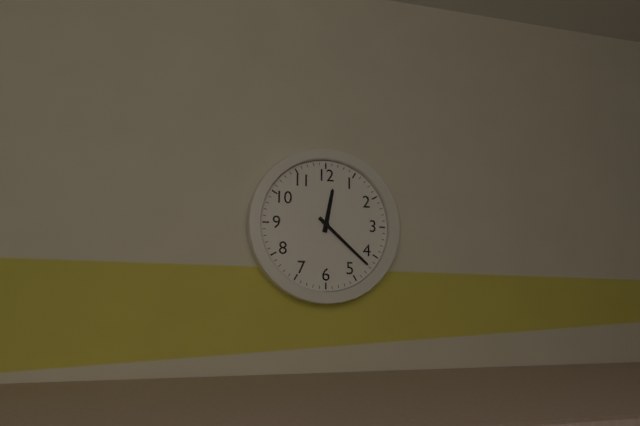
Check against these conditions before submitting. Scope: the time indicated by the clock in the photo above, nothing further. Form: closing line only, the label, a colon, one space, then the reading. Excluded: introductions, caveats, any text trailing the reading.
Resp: 12:22
